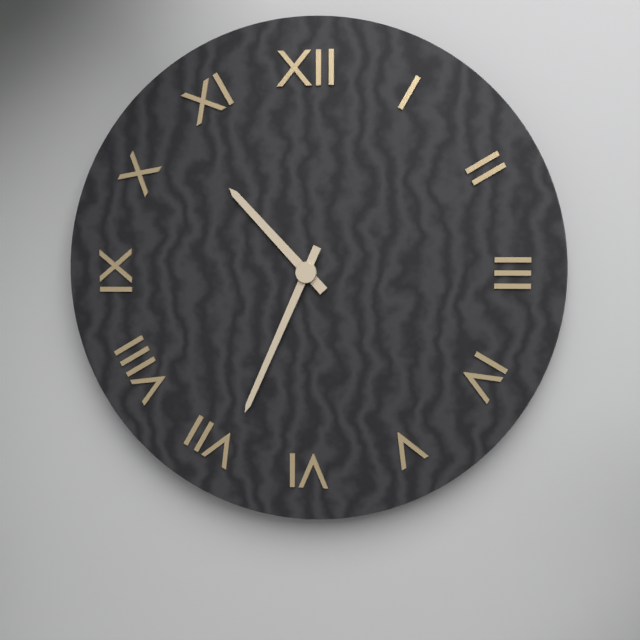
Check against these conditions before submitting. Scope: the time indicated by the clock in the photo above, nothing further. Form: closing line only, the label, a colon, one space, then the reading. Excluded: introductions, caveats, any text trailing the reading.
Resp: 10:34
